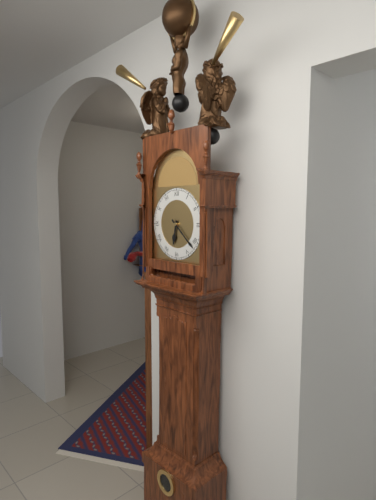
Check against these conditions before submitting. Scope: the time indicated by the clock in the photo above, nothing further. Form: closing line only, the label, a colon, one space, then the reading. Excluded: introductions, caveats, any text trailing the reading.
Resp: 6:22
